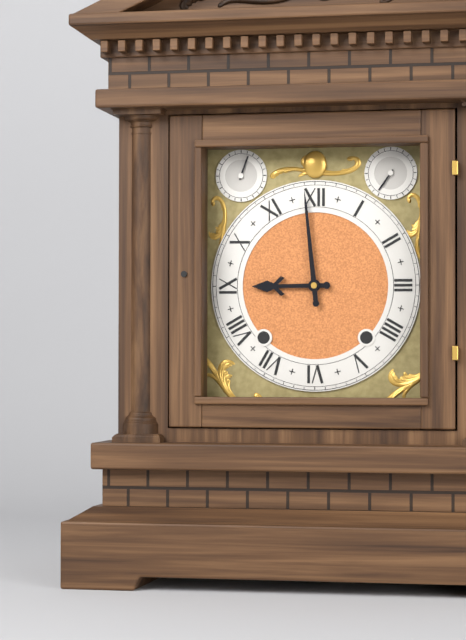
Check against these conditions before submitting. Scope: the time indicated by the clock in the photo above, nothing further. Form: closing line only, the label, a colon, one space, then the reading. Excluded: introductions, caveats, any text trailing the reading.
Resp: 8:59
